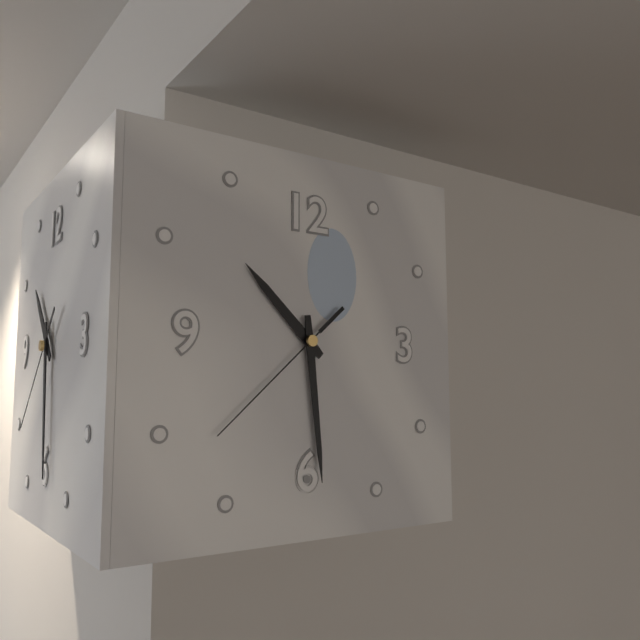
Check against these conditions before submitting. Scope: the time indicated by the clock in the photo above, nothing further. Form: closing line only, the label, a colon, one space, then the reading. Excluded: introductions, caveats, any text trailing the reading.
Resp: 10:29:38
